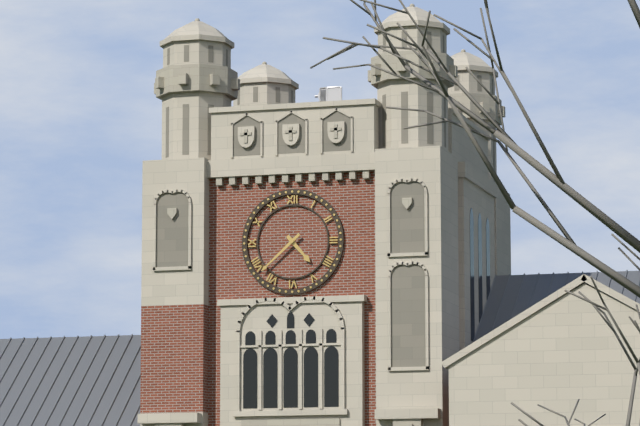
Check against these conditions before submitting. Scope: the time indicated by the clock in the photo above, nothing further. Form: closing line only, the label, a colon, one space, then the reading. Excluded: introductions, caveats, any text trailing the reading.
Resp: 4:38
